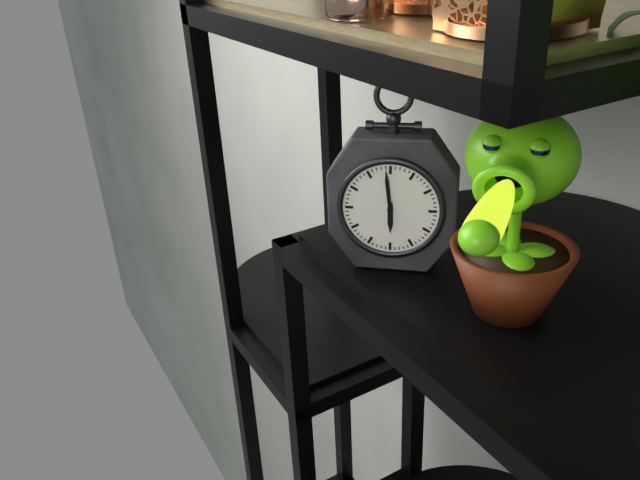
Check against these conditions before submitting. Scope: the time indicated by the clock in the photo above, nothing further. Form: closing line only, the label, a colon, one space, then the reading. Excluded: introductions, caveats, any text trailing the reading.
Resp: 5:59
